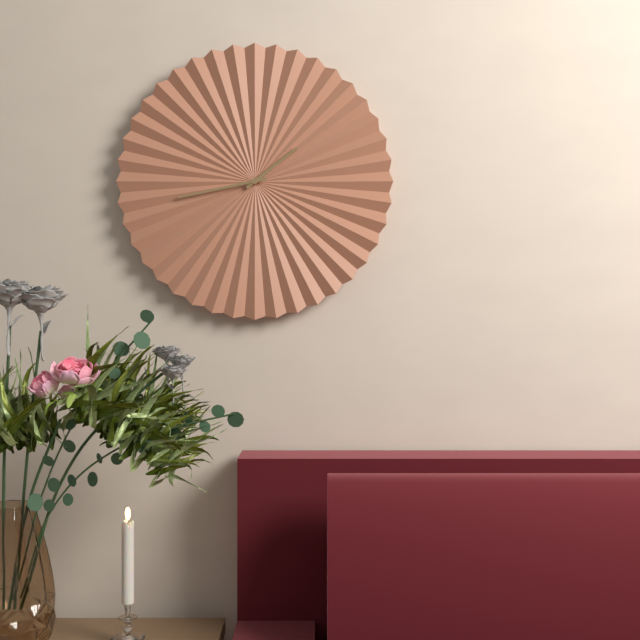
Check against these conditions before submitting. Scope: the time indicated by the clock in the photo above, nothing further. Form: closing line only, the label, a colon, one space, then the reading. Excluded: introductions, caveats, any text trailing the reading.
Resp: 1:43
